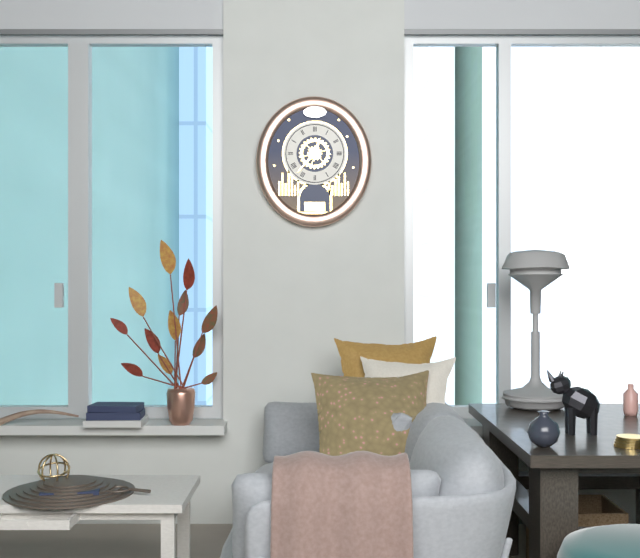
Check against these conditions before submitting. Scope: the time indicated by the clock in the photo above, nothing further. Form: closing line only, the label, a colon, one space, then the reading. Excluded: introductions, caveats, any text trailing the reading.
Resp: 12:37
